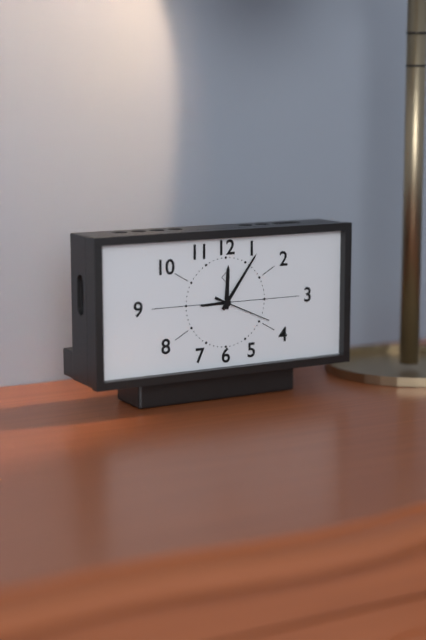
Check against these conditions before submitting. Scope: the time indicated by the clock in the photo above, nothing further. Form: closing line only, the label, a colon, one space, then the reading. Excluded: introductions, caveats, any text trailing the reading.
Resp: 12:06:19
